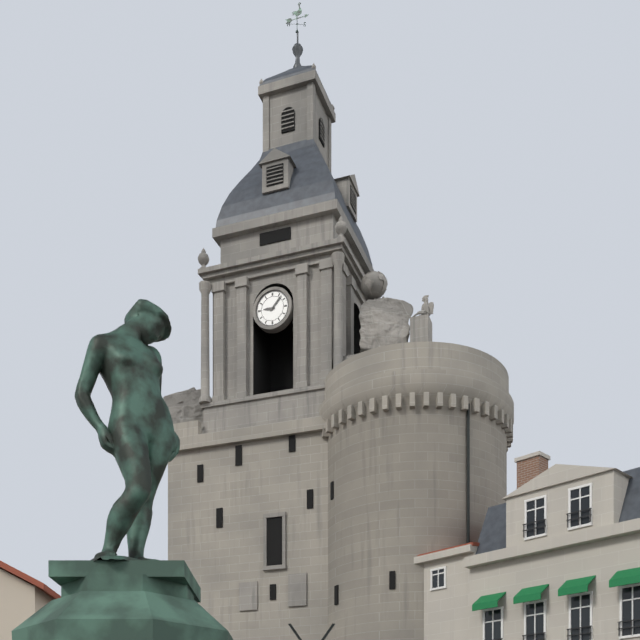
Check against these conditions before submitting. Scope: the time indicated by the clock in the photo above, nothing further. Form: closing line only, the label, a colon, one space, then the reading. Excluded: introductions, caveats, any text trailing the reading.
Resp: 9:07
